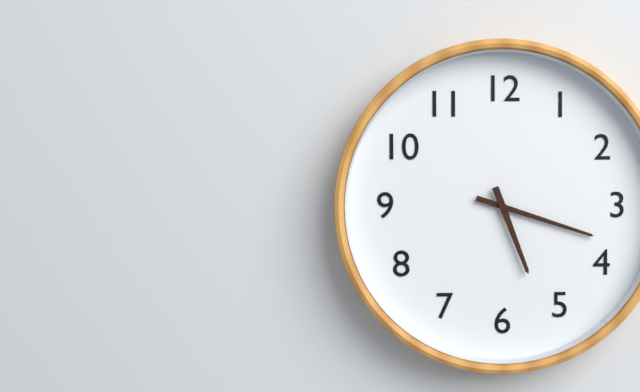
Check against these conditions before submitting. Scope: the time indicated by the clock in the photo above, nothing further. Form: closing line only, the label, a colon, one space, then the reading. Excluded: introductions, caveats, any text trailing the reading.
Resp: 5:18
